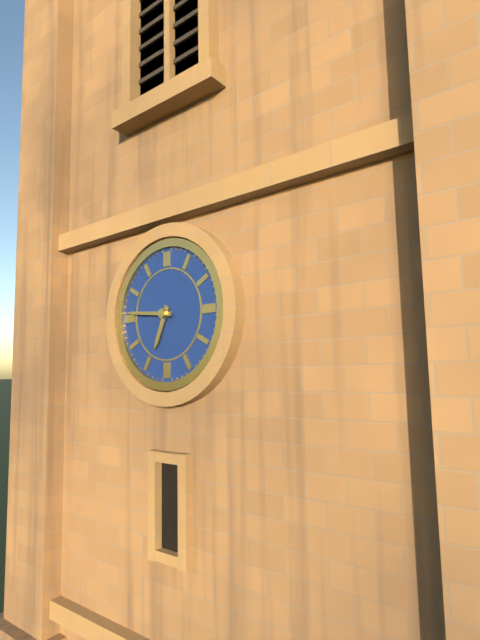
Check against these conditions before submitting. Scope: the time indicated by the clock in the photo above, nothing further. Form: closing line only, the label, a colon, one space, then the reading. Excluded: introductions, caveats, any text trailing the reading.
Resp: 6:46
